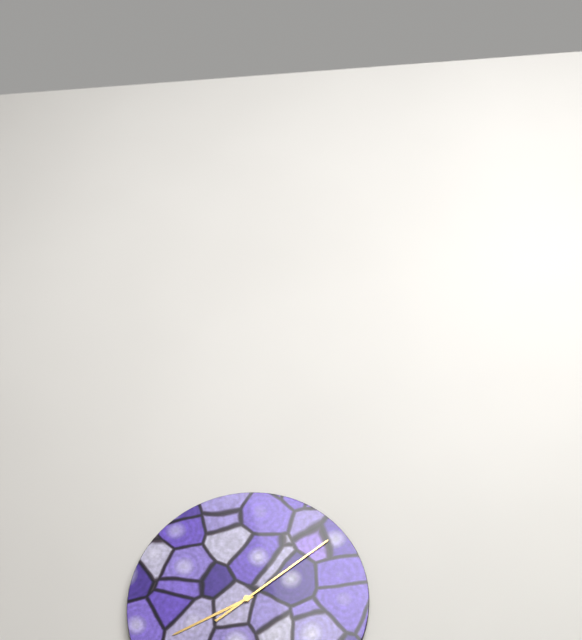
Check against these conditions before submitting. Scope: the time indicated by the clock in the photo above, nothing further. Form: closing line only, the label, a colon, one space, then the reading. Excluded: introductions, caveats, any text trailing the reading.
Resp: 8:09
